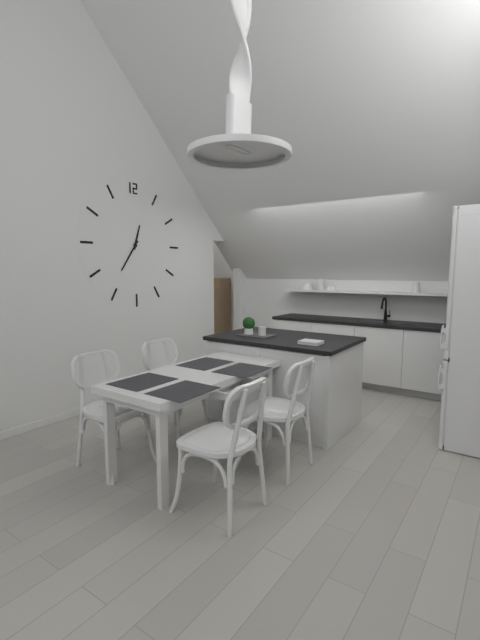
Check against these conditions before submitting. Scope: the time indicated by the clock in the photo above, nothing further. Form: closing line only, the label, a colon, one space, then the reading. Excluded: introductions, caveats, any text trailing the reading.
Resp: 12:36
